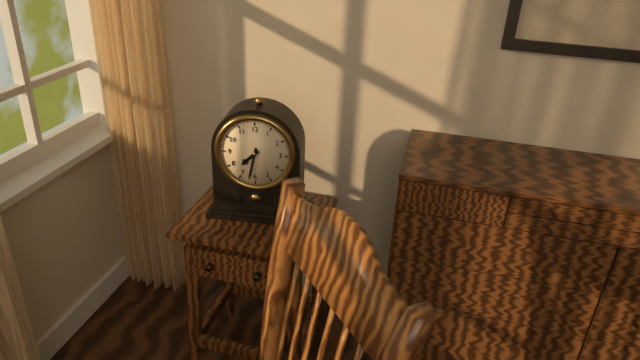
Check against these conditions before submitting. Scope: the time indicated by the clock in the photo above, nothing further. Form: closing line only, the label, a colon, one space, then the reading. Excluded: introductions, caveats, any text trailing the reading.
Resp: 7:32
